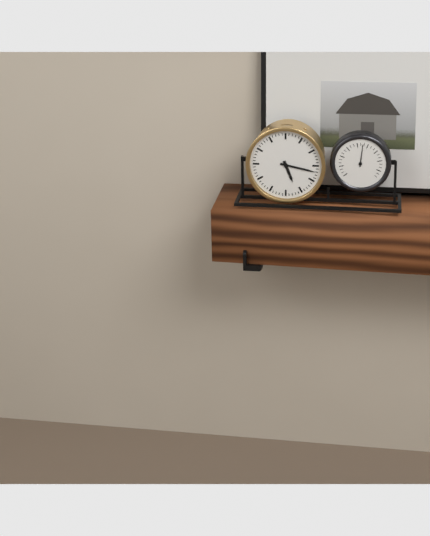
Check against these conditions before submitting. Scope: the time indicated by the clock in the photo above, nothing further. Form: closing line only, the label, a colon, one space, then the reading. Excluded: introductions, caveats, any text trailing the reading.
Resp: 5:17
